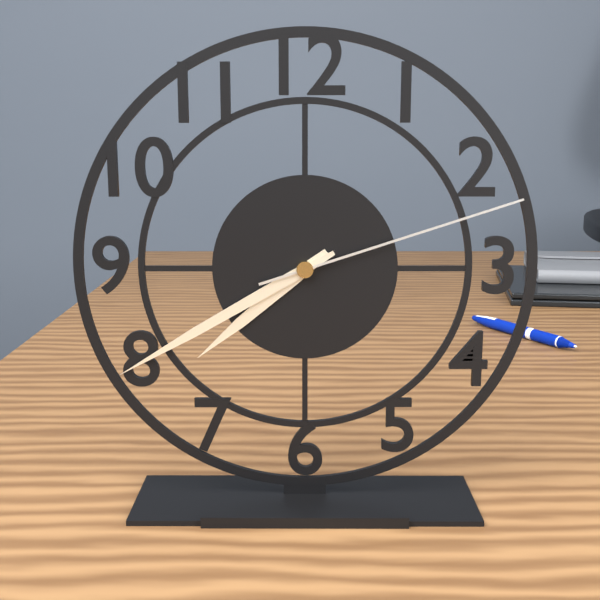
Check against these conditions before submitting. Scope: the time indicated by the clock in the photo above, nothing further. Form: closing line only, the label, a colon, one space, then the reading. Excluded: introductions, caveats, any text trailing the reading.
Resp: 7:40:12
